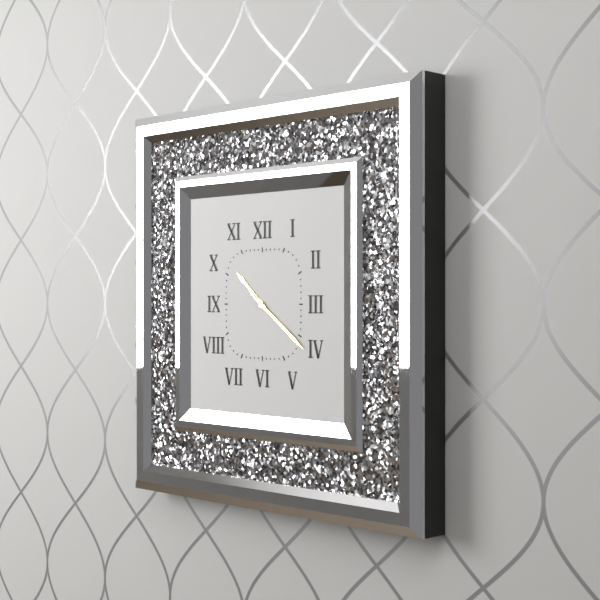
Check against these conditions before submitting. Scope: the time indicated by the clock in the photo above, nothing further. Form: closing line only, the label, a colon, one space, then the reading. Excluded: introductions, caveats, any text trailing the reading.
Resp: 10:21
